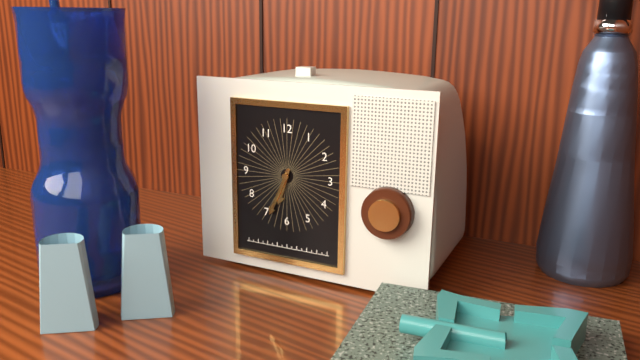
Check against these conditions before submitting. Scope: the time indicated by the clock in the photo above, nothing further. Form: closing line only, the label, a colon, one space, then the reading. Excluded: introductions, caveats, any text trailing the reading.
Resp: 6:34
